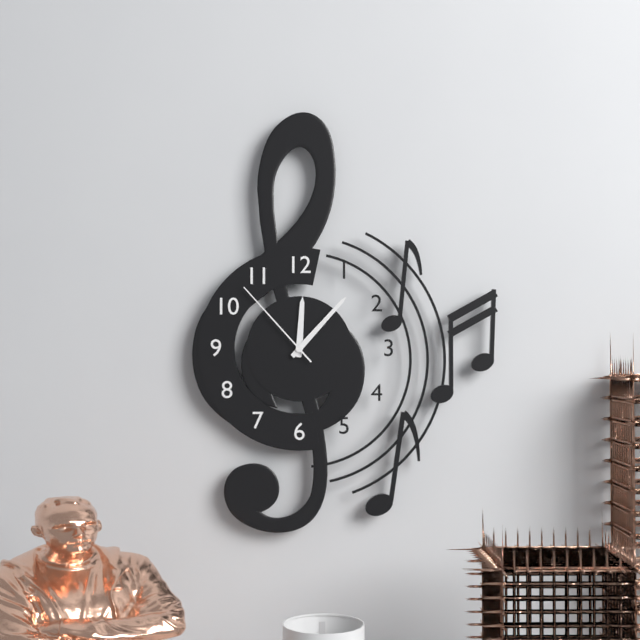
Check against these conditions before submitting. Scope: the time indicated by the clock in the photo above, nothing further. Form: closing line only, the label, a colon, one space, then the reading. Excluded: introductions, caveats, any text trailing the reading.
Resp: 12:07:53
